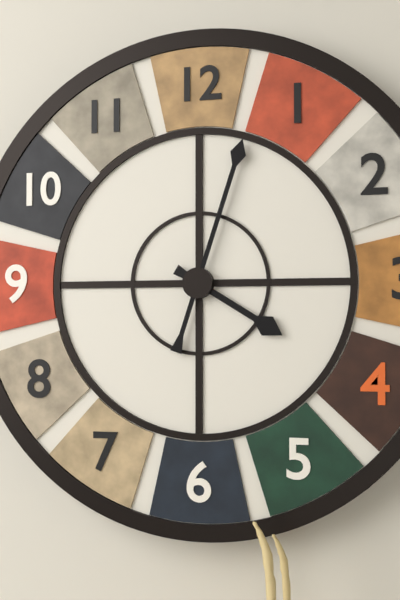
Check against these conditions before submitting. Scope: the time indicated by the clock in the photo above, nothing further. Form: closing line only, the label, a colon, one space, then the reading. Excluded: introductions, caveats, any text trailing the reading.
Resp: 4:03
